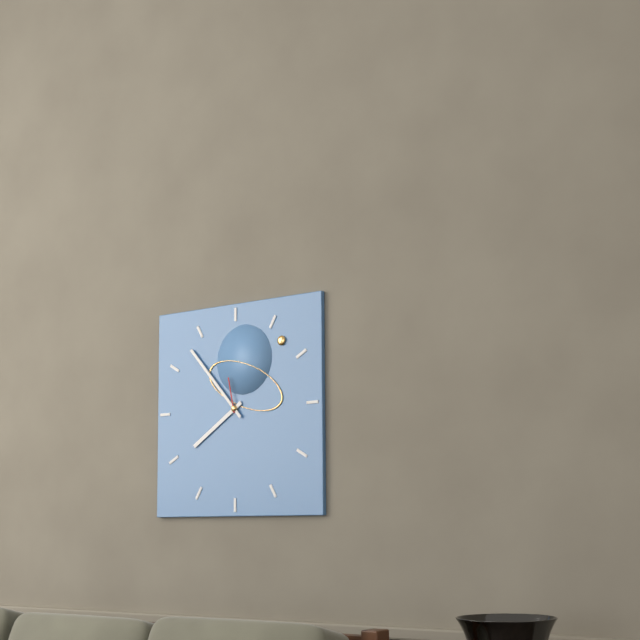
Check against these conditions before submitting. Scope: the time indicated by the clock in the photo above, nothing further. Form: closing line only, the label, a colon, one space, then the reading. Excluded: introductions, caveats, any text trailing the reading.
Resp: 7:53
